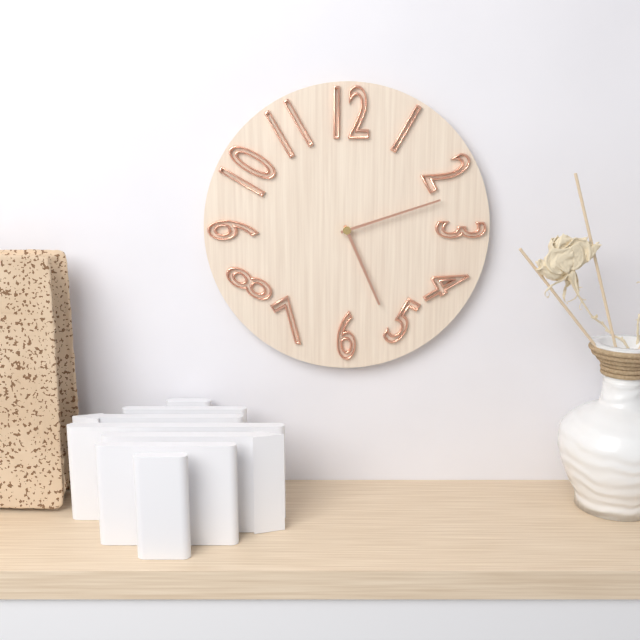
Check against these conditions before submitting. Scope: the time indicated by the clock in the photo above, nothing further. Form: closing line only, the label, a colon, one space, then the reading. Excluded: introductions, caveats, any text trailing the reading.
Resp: 5:12
